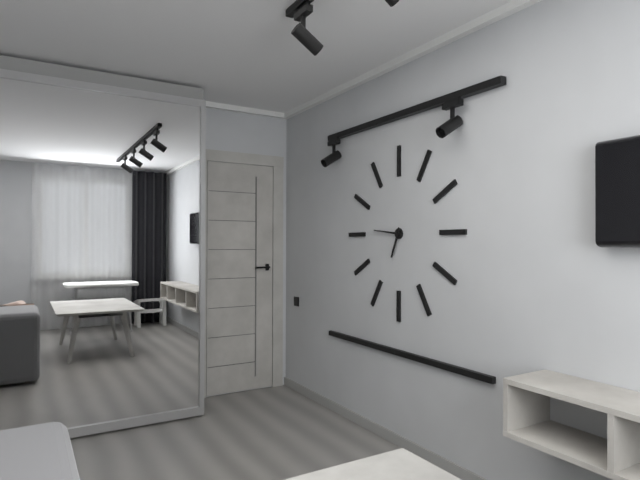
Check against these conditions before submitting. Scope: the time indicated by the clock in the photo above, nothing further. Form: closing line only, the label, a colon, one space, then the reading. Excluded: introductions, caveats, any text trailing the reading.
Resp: 6:46
